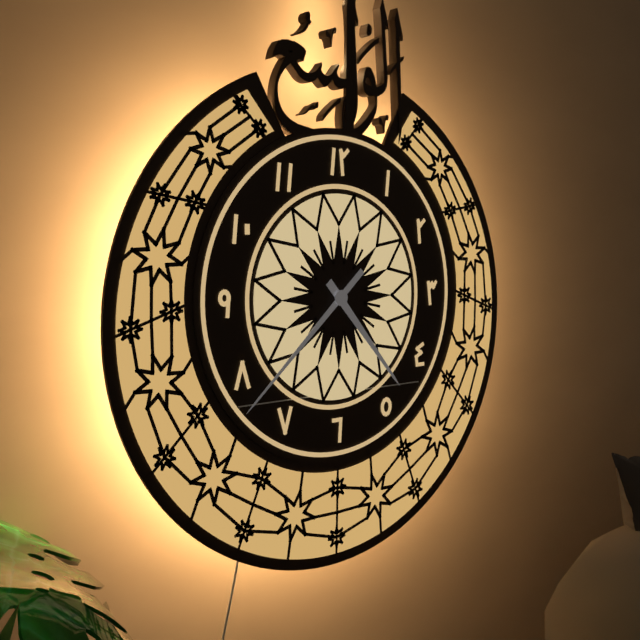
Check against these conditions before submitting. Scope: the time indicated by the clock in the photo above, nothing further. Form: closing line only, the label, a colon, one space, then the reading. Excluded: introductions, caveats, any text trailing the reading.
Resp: 4:38
